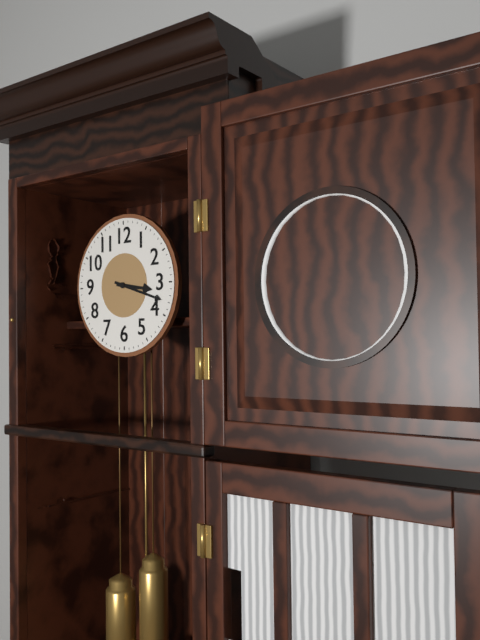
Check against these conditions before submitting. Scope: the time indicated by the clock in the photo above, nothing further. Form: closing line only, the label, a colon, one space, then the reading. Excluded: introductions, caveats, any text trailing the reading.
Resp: 3:18
